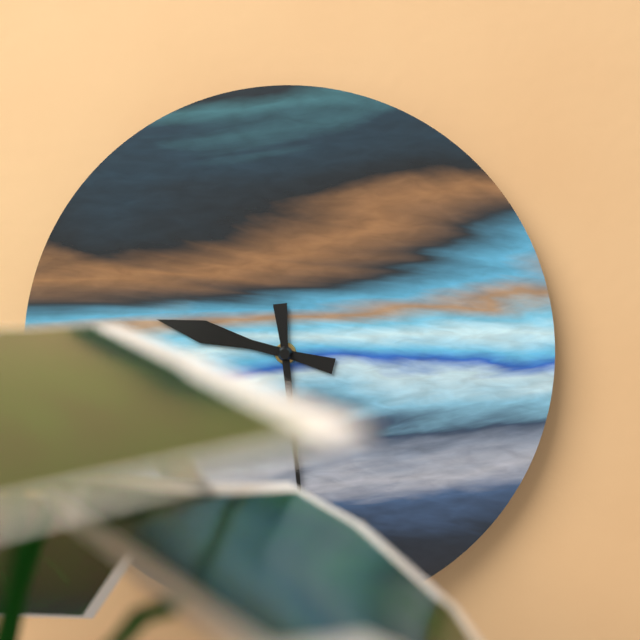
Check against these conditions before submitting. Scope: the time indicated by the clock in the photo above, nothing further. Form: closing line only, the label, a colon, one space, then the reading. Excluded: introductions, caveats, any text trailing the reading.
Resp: 9:29
